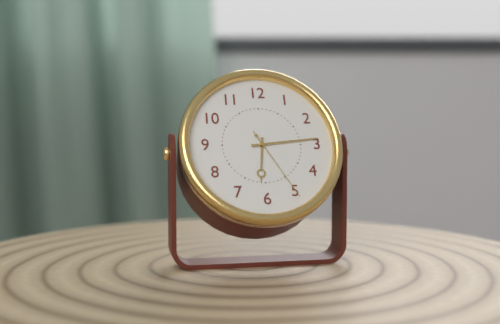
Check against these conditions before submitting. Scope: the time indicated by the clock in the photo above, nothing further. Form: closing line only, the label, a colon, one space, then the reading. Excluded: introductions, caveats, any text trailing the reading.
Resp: 6:14:25
